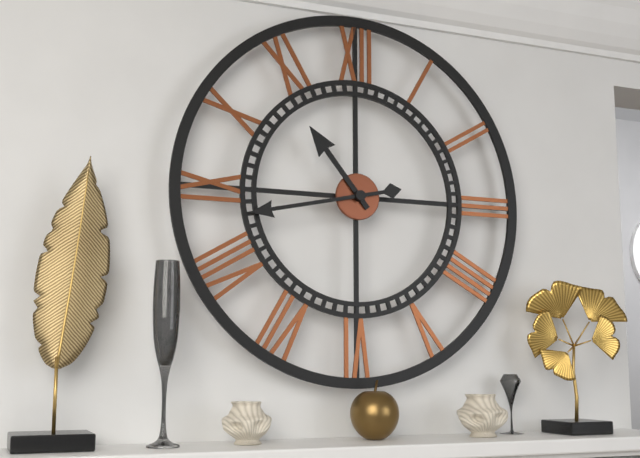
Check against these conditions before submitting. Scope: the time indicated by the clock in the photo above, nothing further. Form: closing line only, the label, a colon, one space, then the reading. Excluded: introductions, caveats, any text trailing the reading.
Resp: 10:43
